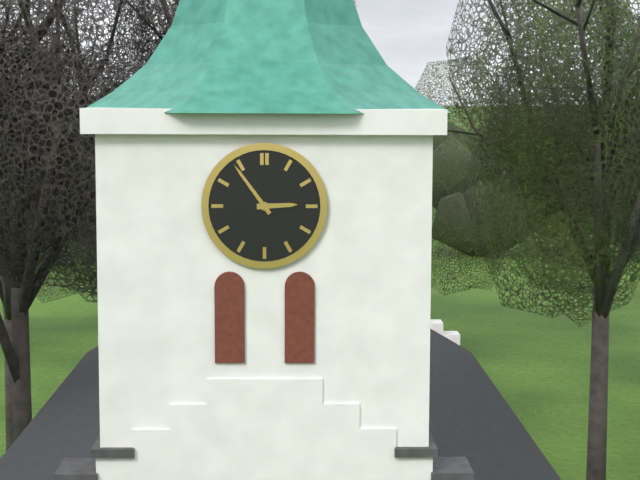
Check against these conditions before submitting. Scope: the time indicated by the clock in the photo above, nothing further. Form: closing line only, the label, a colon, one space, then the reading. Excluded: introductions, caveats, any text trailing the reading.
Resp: 2:54
